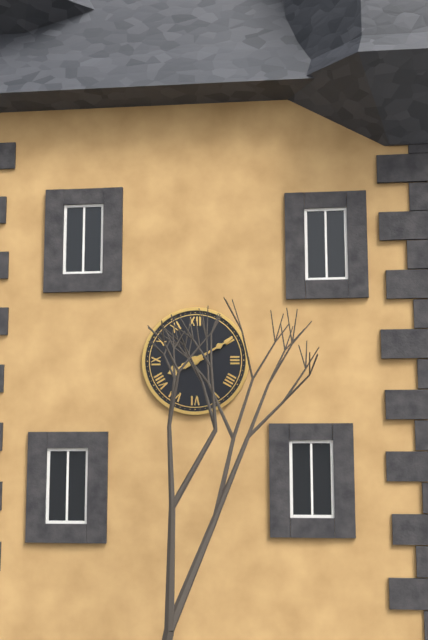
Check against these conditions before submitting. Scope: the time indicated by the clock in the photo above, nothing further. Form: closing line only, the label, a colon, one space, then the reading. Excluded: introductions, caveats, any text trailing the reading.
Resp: 8:10
